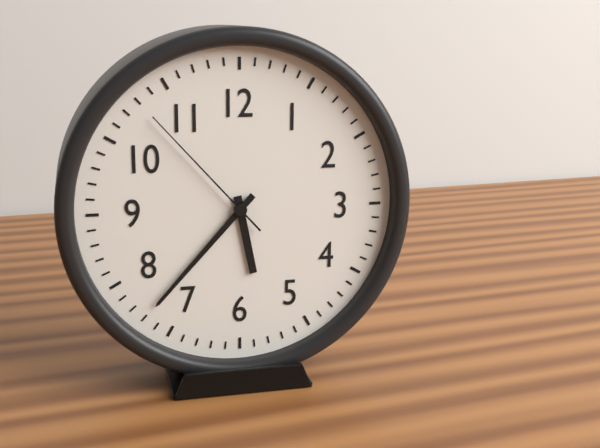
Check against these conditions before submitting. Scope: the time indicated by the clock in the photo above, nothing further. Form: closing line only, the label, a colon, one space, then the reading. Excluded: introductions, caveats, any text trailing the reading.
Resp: 5:37:53
